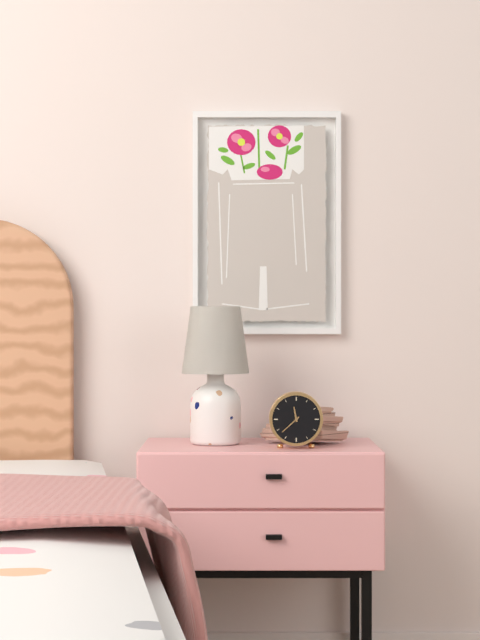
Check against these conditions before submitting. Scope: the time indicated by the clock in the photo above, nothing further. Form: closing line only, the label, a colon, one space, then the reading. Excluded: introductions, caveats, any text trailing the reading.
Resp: 11:38
